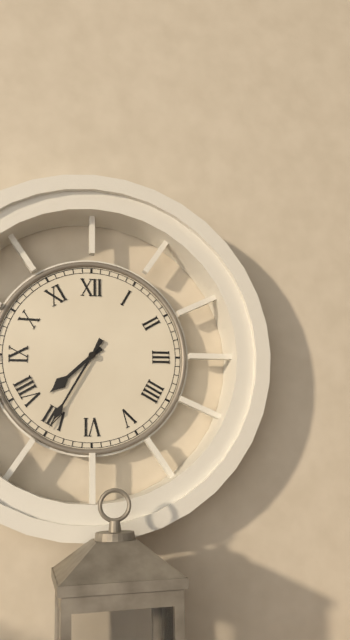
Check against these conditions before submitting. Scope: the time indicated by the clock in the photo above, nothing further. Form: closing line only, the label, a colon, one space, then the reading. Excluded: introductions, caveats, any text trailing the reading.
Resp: 7:35
